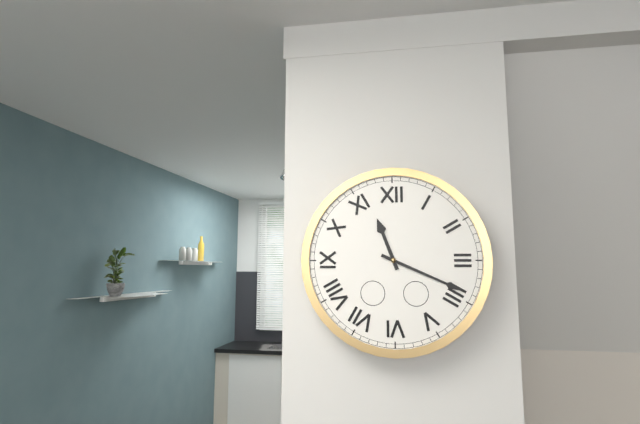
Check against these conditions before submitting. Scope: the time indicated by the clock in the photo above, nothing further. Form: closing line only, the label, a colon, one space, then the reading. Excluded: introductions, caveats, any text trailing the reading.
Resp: 11:19
